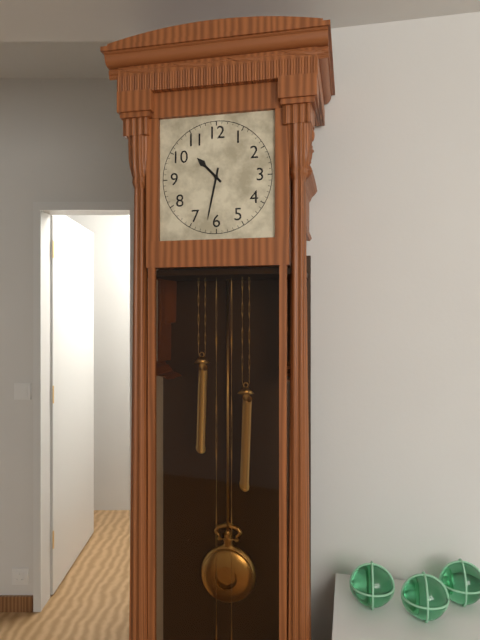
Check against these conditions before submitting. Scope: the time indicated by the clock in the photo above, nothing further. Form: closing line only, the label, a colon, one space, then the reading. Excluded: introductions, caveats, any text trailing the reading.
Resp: 10:32
